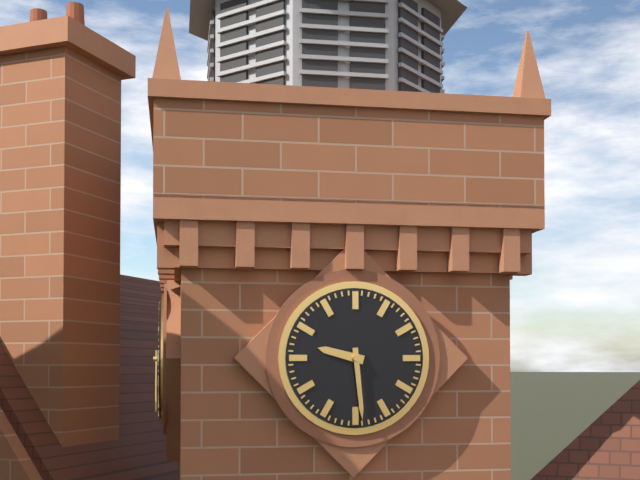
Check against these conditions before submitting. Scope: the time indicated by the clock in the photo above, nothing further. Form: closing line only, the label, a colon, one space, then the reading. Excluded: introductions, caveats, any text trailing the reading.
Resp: 9:29
